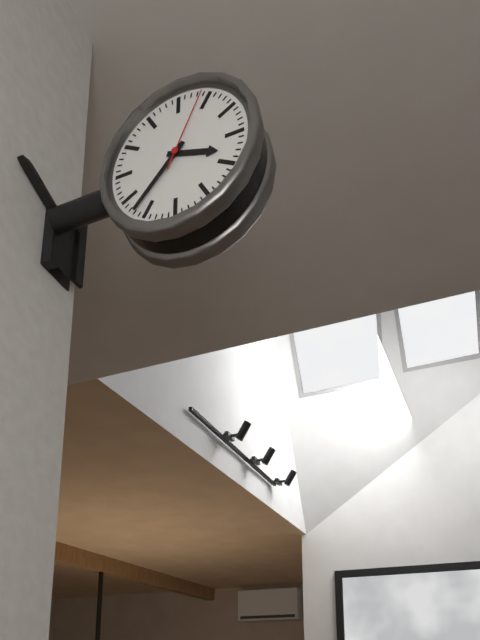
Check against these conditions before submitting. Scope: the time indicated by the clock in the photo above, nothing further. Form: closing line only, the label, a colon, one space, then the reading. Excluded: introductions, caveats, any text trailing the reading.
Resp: 3:37:04
